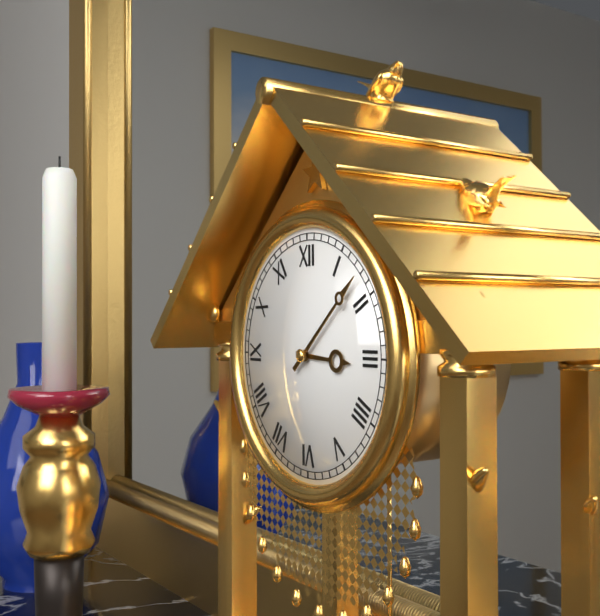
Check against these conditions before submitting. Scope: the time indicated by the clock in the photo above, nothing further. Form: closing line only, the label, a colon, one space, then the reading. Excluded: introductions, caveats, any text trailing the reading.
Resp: 3:08
